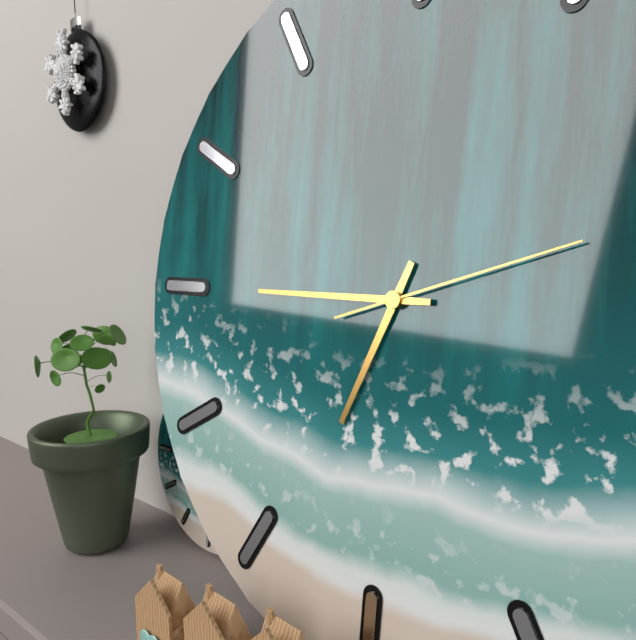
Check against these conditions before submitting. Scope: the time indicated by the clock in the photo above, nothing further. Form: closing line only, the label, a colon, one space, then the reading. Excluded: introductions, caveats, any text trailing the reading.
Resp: 6:45:12
